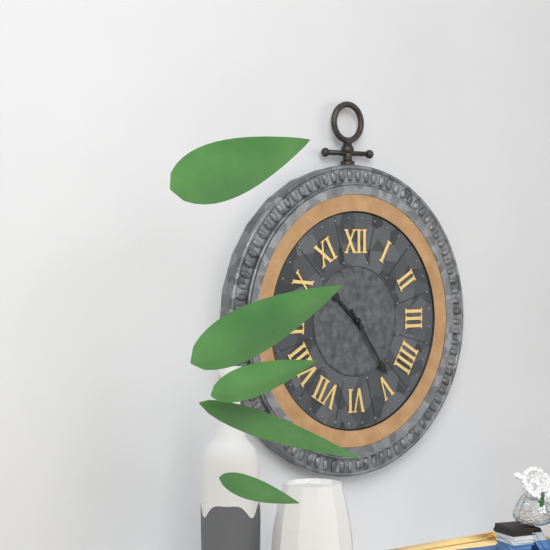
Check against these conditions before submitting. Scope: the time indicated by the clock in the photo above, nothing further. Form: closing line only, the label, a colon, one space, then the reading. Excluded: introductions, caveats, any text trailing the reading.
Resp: 10:24
